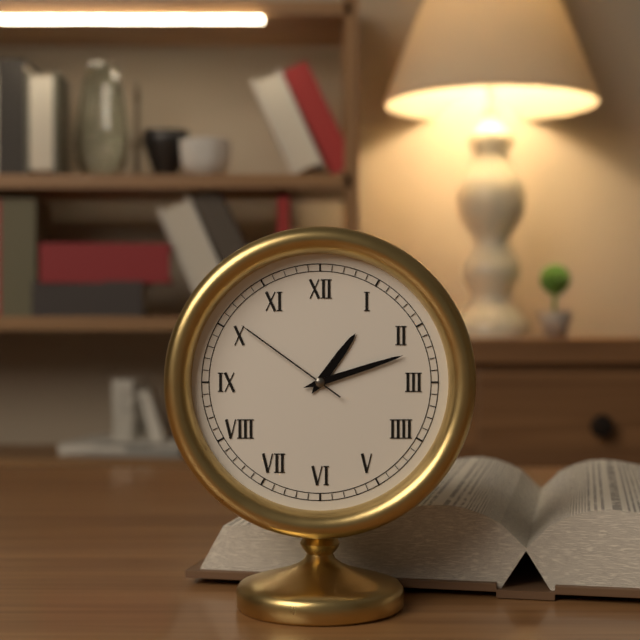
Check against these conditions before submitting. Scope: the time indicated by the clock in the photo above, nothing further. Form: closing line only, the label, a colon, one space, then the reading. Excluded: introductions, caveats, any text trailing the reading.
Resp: 1:12:51
